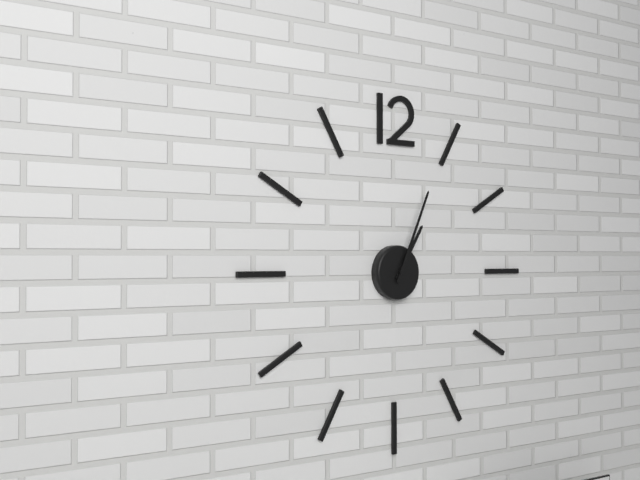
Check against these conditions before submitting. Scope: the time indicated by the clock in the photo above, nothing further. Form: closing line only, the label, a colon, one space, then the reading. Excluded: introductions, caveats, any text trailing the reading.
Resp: 1:04
